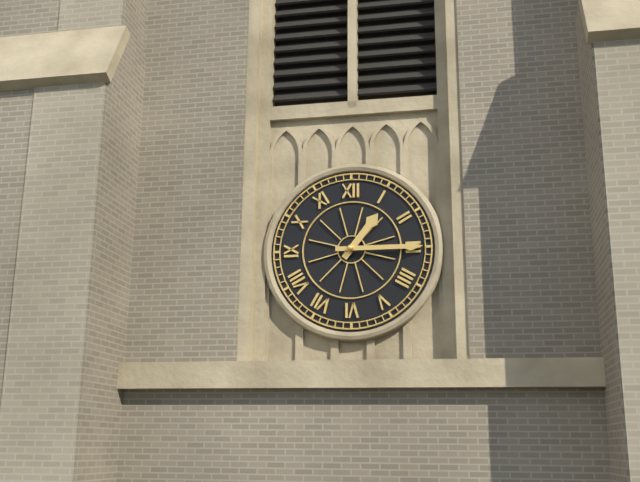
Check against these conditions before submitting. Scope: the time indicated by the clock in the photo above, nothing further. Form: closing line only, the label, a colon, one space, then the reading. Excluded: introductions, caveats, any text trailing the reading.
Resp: 1:15
